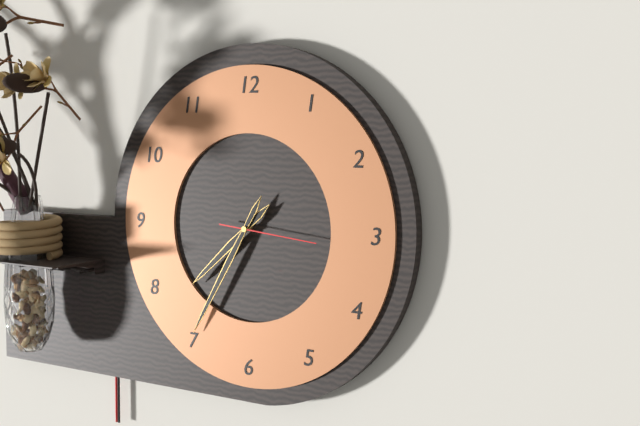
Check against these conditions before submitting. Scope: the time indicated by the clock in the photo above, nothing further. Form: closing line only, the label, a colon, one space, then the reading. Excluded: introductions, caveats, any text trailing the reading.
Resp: 7:35:16
